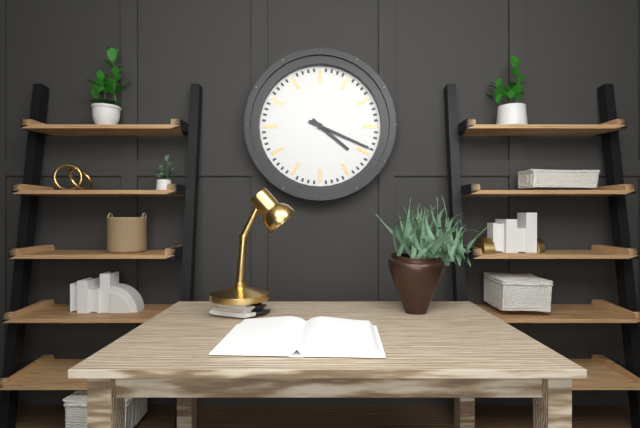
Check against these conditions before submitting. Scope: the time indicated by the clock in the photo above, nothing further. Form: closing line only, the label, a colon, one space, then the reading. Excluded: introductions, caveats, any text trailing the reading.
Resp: 4:19
